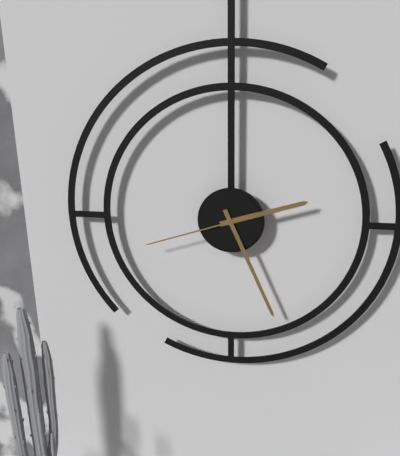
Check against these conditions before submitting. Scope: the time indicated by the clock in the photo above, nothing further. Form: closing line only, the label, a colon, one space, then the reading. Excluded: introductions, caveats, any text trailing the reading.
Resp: 2:26:42
